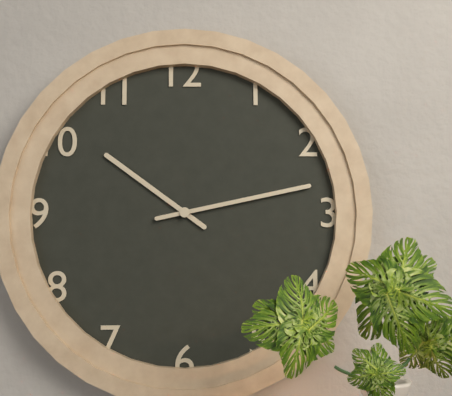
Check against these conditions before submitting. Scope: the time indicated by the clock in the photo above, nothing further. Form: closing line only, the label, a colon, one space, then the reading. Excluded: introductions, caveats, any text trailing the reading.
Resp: 10:13
